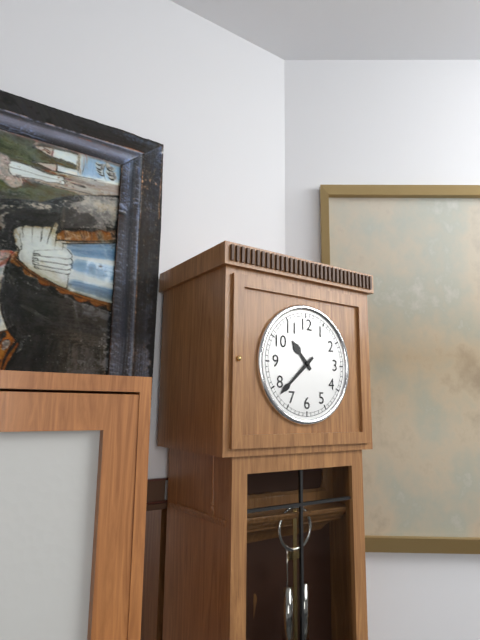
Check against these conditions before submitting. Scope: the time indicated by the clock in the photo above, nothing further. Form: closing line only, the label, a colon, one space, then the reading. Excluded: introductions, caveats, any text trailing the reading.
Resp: 10:38
